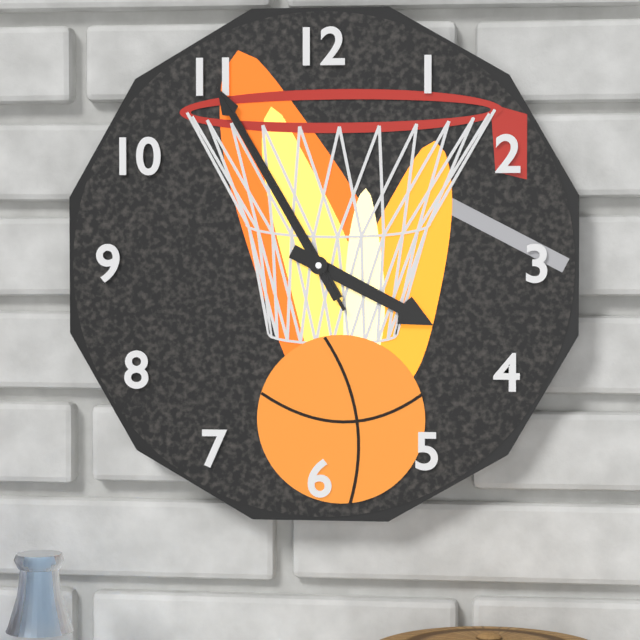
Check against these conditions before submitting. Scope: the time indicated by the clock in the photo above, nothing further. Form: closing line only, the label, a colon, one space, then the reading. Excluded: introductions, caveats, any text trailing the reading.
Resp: 3:55:55
